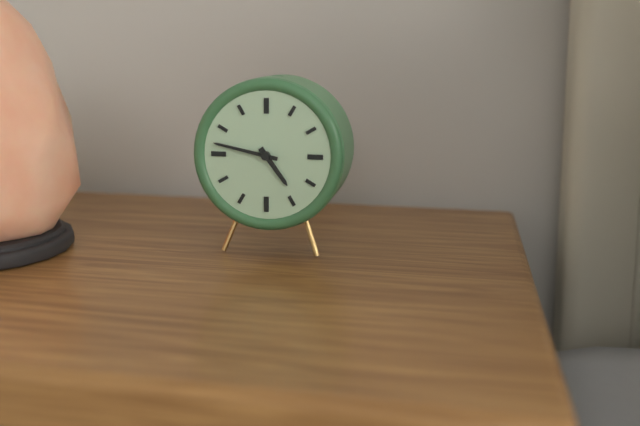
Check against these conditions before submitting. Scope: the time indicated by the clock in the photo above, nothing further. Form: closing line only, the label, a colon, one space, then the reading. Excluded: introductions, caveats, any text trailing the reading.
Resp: 4:47
